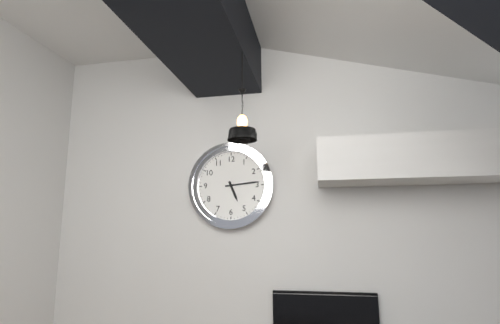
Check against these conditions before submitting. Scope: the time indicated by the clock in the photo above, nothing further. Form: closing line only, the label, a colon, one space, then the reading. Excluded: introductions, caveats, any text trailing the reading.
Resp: 5:14
